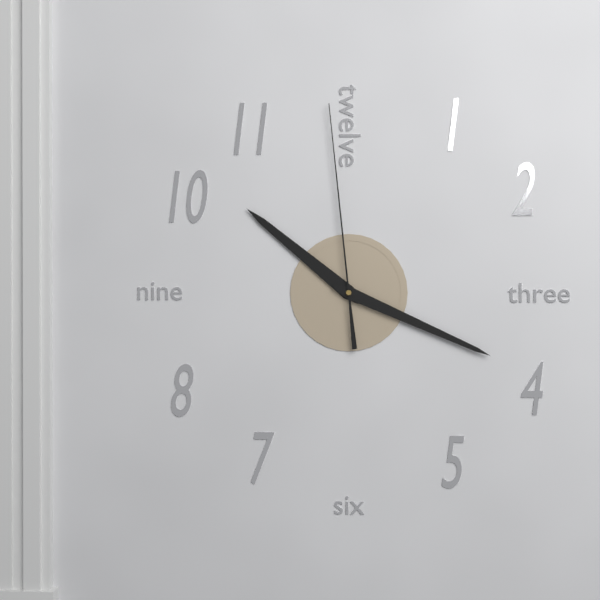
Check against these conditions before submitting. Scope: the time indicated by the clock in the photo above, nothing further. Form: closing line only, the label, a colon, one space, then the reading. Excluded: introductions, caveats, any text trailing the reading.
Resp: 10:19:59
